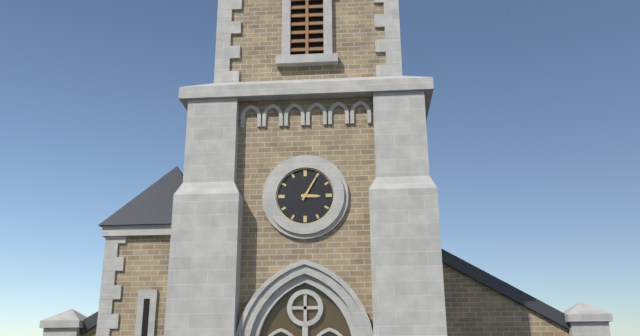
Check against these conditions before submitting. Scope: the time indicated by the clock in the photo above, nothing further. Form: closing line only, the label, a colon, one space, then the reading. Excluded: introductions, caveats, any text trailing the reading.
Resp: 3:05
